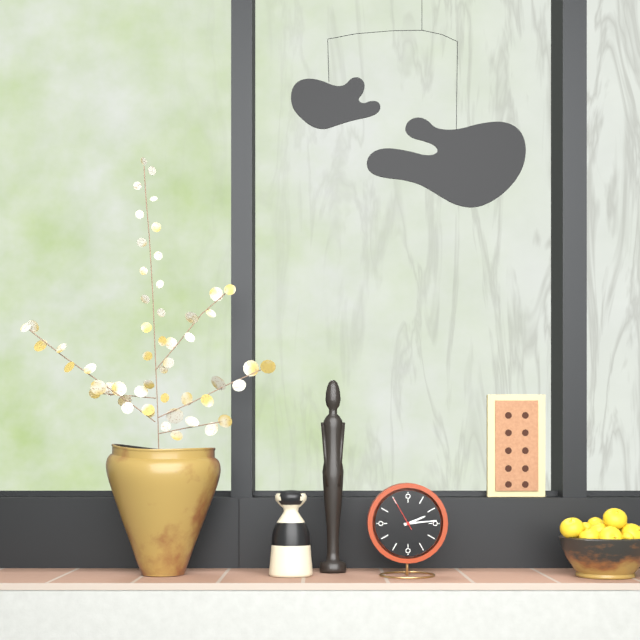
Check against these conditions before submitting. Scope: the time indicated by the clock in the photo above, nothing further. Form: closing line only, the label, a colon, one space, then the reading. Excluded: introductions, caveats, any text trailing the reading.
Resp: 2:14
